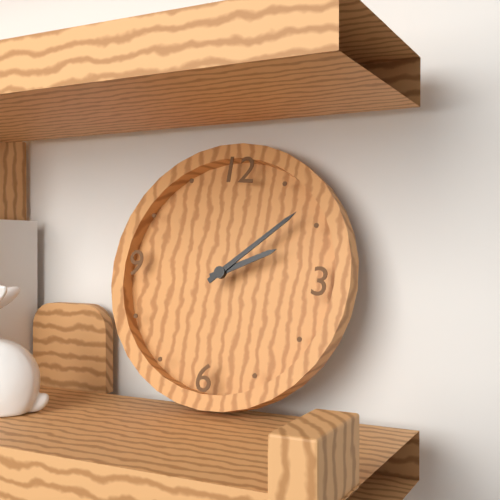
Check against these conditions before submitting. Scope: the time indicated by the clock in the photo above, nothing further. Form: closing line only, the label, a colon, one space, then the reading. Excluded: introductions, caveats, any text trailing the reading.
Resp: 2:08
